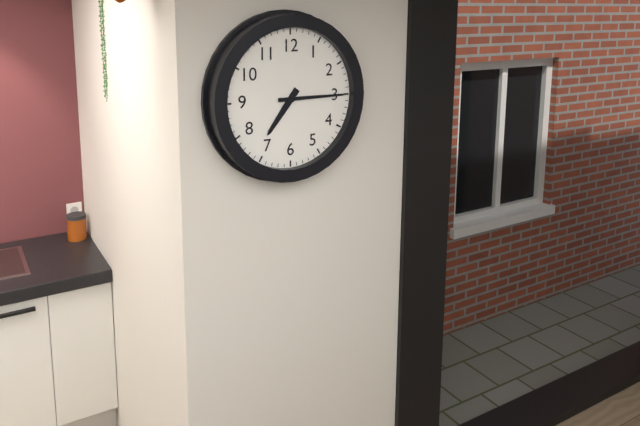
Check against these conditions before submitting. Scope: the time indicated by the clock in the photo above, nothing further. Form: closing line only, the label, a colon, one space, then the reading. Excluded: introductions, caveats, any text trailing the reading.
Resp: 7:15
